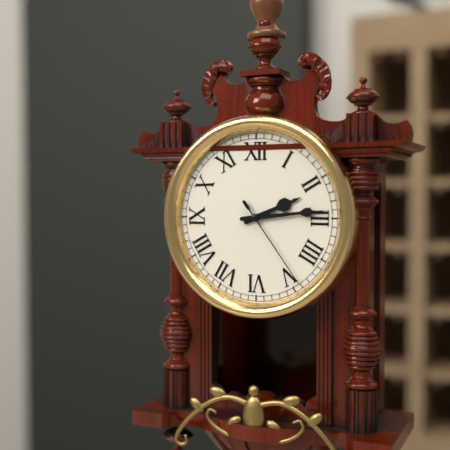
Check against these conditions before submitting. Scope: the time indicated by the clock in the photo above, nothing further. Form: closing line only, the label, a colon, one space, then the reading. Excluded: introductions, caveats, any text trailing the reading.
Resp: 2:14:24
